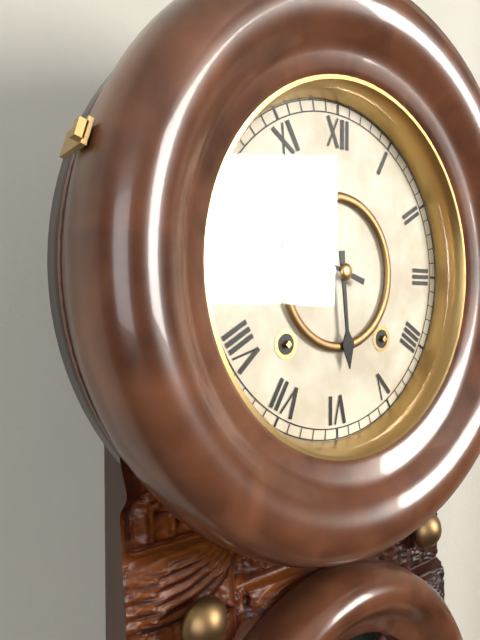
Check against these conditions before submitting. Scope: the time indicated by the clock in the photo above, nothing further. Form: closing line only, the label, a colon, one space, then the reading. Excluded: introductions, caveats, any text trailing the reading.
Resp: 5:48
